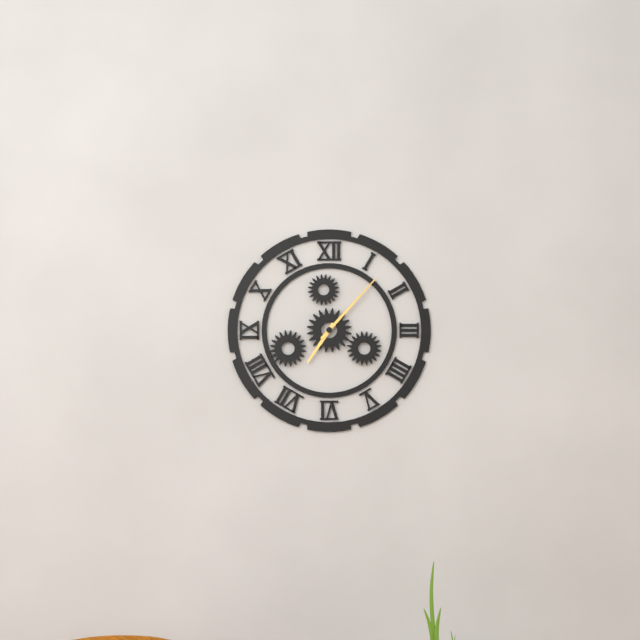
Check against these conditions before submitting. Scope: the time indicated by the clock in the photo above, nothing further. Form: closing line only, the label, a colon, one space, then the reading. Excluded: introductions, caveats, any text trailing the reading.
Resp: 7:07
